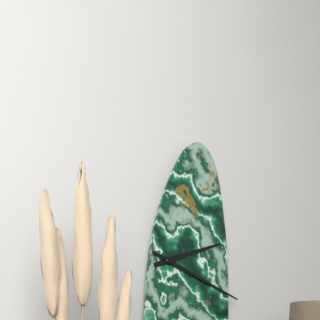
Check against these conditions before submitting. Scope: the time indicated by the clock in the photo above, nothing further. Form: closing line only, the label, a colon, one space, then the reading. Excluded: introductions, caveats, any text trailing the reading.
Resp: 2:18
